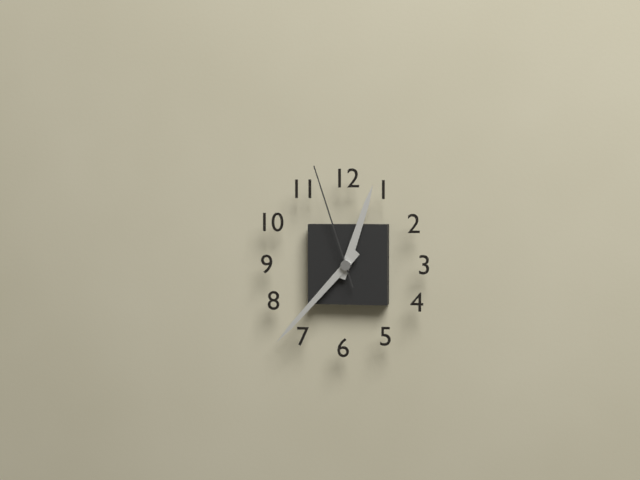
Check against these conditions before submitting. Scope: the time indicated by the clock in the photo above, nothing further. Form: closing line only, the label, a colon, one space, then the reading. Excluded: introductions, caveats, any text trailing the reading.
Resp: 12:37:57
